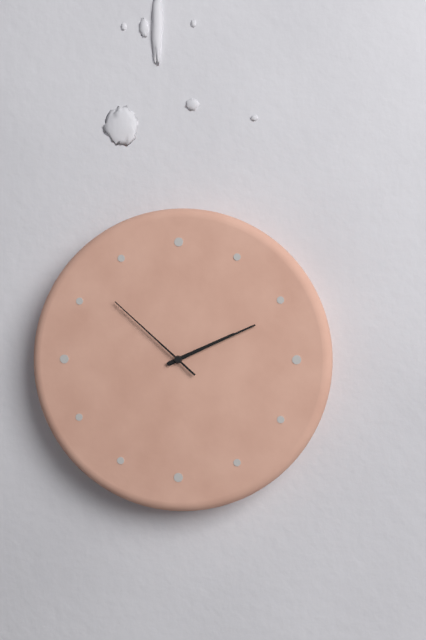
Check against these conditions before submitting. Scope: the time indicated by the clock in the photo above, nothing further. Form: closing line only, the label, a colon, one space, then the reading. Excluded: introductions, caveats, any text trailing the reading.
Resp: 2:11:52
